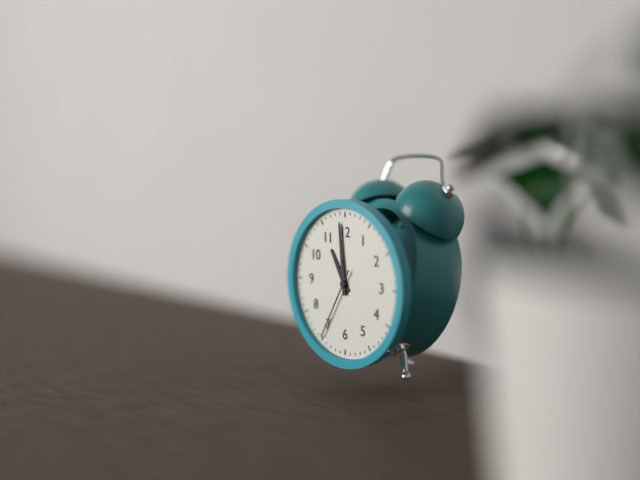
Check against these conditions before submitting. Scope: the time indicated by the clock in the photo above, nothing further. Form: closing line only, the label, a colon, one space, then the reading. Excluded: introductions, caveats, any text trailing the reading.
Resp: 10:59:35
